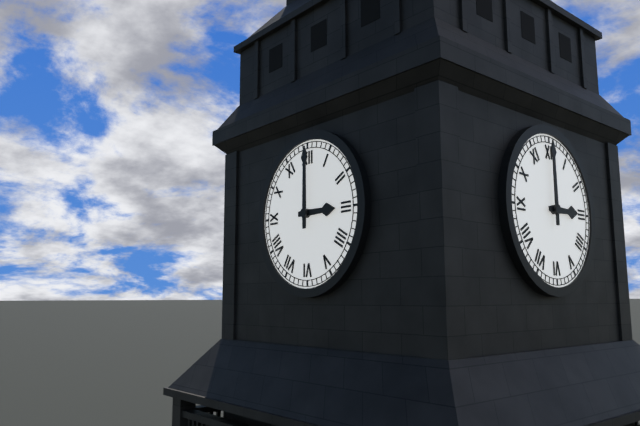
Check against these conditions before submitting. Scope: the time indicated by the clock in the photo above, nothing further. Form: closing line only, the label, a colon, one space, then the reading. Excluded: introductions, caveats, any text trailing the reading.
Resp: 3:00
